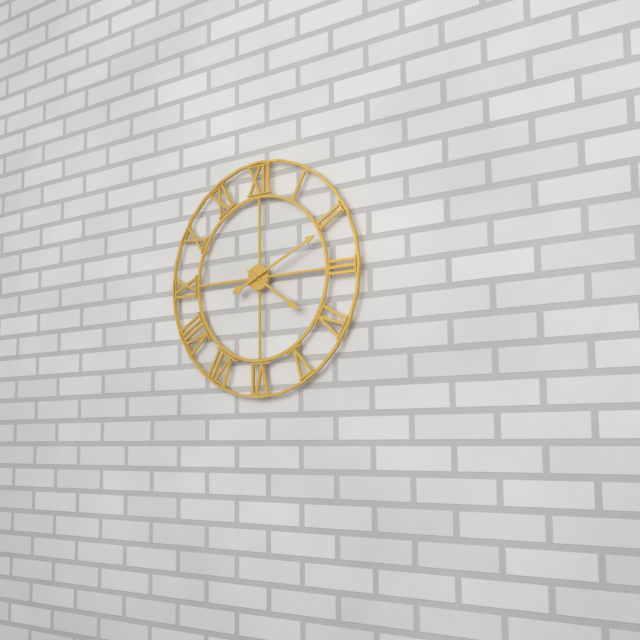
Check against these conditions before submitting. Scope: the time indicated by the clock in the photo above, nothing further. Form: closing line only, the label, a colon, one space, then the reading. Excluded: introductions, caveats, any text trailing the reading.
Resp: 4:11
